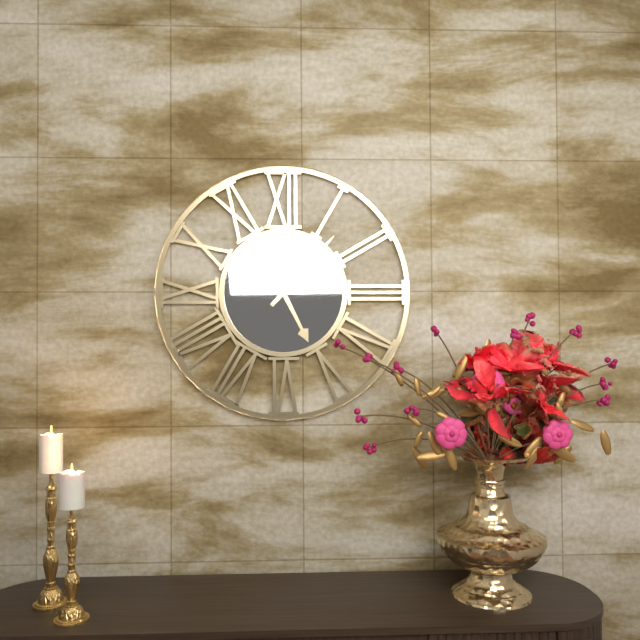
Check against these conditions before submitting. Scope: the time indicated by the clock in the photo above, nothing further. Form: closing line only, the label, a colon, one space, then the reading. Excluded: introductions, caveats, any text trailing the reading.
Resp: 5:07
